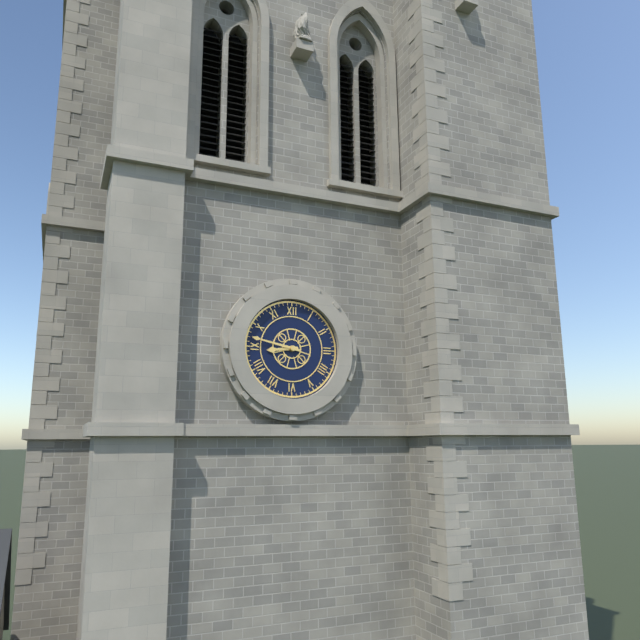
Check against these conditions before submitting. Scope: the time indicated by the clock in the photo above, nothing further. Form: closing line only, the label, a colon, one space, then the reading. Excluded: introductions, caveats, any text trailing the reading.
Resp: 8:47
